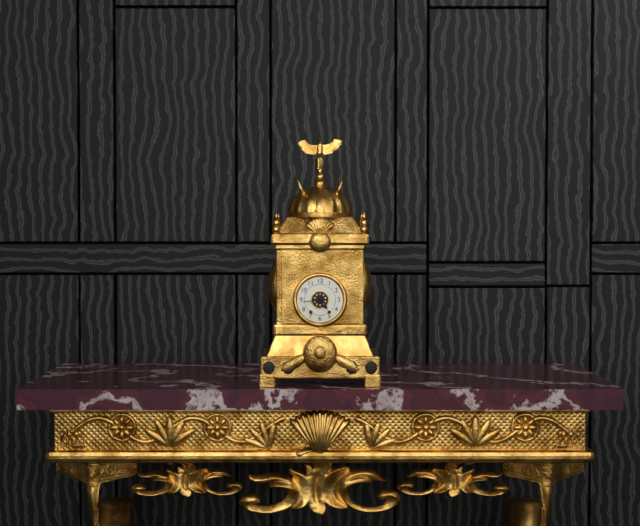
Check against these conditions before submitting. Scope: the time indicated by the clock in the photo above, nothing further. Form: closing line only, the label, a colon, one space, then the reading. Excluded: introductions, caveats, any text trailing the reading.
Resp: 4:44
